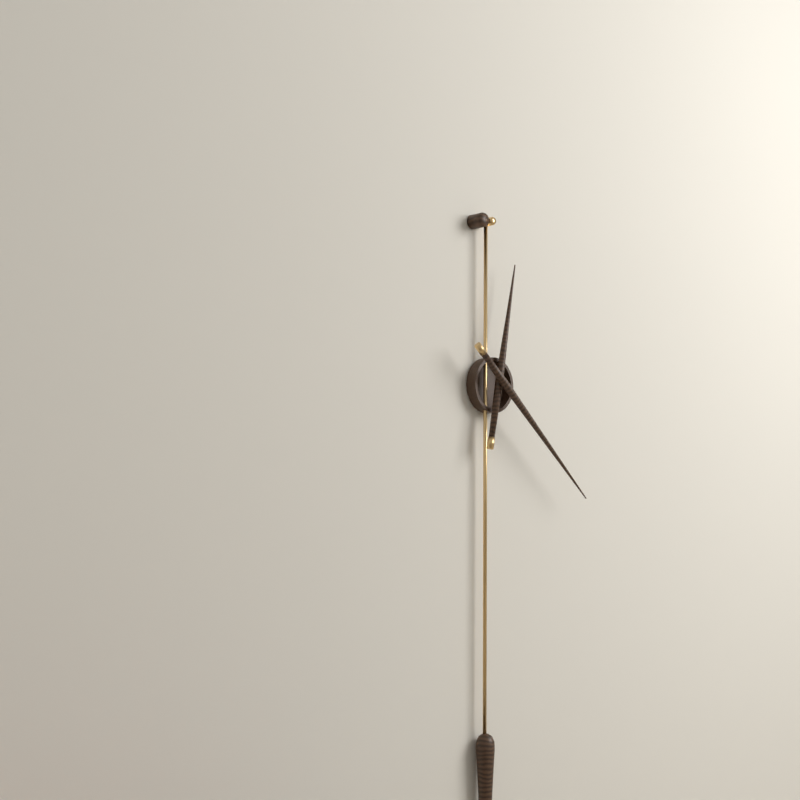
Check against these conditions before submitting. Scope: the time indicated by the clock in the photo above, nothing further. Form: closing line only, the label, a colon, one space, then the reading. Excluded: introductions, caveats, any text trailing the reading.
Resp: 12:22
